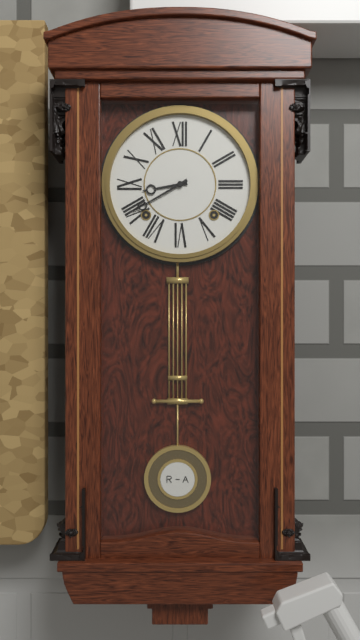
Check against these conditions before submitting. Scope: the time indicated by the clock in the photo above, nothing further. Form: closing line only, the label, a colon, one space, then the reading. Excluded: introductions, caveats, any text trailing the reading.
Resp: 8:40
